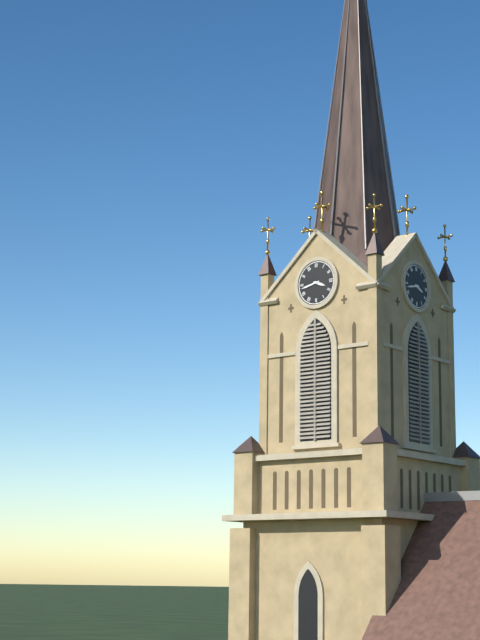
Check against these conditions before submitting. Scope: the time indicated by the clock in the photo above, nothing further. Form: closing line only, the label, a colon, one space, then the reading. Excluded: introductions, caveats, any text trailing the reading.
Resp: 3:43
